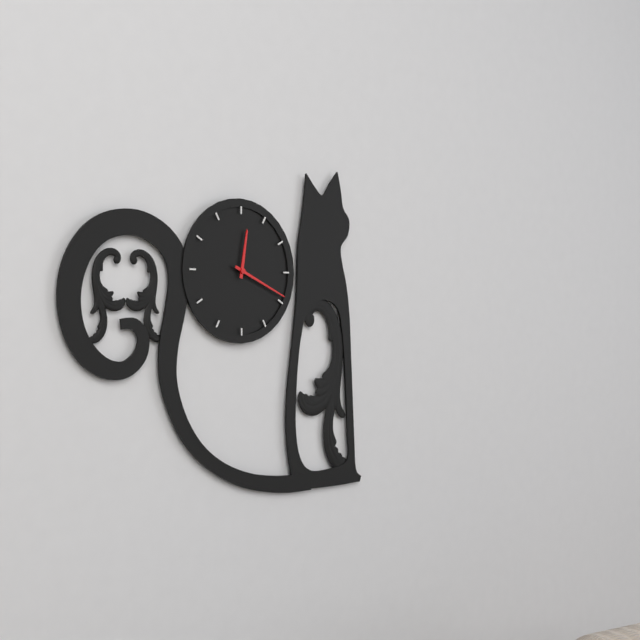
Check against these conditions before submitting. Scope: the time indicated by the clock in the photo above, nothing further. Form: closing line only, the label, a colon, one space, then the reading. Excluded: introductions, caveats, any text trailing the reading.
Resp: 12:19
